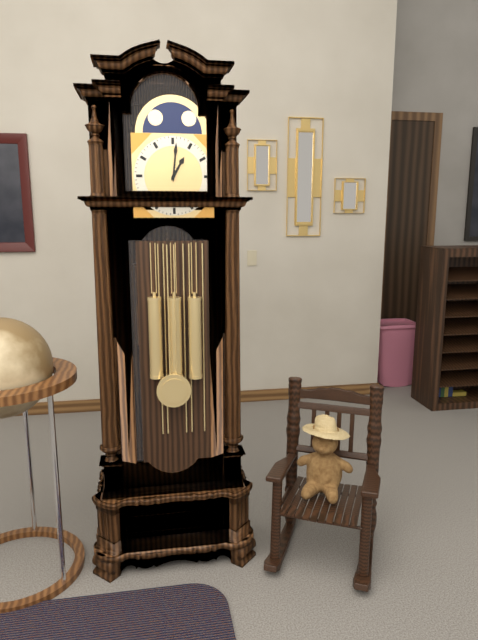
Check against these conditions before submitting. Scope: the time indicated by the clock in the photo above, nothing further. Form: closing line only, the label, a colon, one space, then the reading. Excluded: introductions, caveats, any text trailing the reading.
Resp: 1:01
